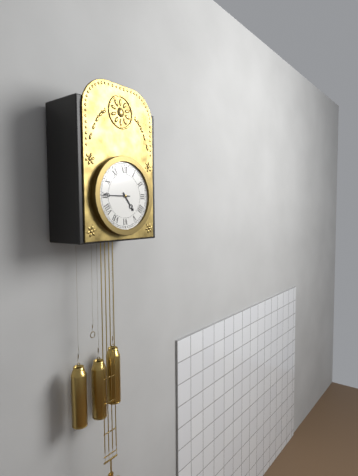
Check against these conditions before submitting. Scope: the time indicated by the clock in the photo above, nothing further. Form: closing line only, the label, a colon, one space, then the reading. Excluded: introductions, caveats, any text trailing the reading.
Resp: 4:45
